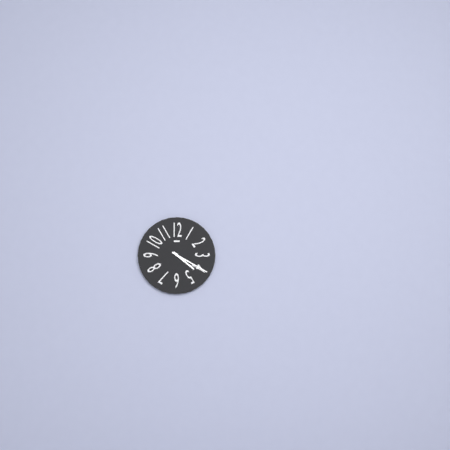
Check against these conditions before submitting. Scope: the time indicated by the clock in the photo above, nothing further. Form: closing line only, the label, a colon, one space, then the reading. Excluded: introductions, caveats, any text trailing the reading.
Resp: 4:20
